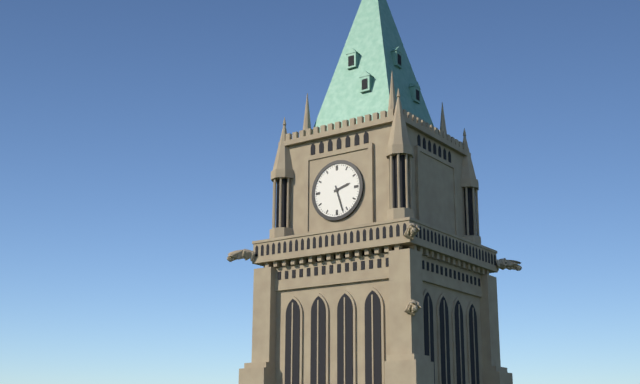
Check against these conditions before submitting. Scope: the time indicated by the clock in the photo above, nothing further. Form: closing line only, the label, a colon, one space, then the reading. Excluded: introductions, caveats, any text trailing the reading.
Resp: 2:27
